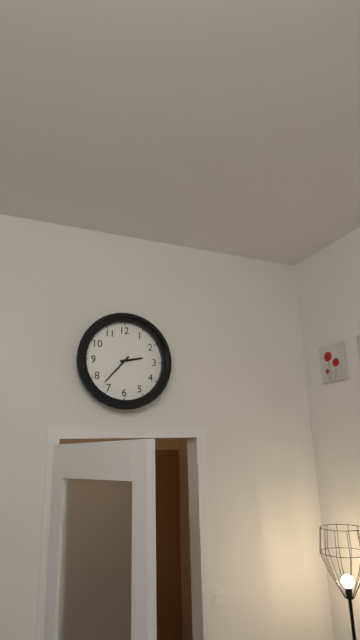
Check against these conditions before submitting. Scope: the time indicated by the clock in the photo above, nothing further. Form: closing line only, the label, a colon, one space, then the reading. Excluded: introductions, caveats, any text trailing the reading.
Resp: 2:37
